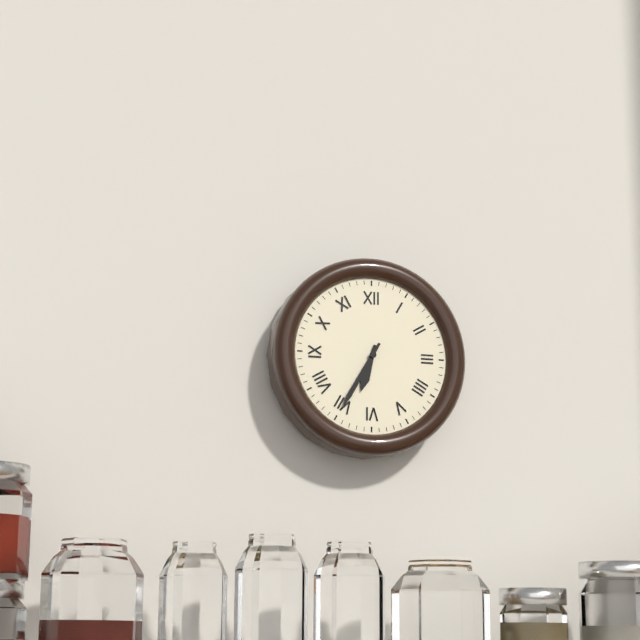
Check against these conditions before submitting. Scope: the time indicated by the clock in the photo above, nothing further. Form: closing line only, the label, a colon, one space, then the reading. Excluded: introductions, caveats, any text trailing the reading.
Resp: 6:35
